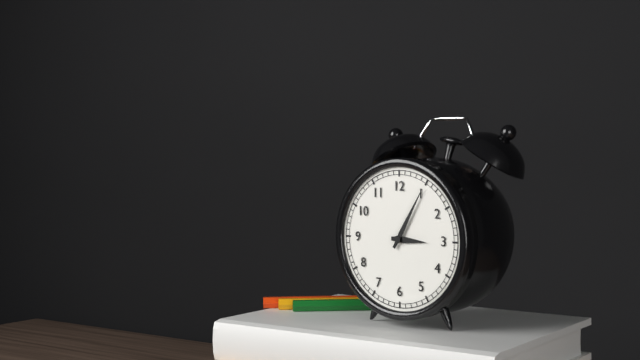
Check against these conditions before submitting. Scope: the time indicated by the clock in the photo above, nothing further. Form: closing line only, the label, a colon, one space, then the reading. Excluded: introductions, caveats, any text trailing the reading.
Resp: 3:05
